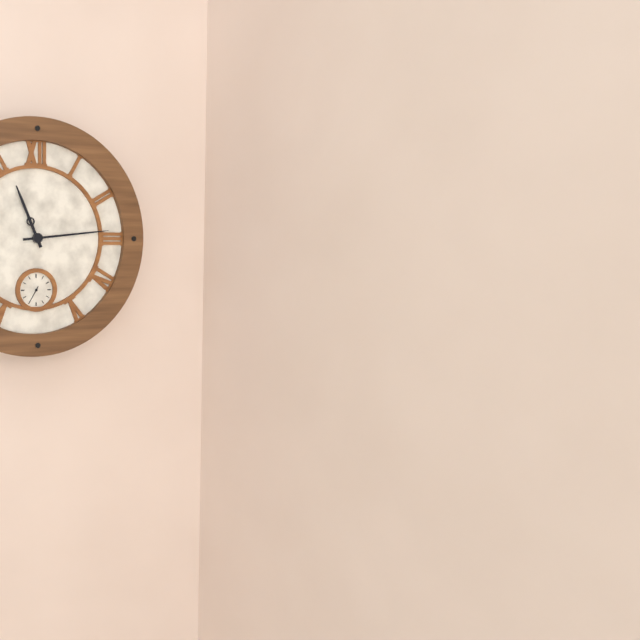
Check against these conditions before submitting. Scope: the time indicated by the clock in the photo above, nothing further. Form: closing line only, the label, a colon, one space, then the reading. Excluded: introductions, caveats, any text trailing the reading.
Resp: 11:14
